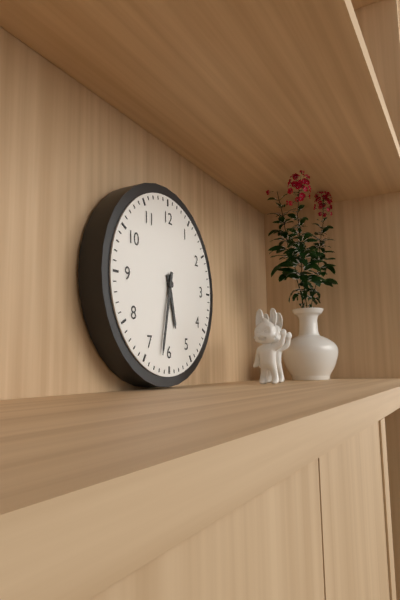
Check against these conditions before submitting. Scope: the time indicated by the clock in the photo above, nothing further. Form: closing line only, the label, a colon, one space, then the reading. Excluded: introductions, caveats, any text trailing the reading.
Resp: 5:32
